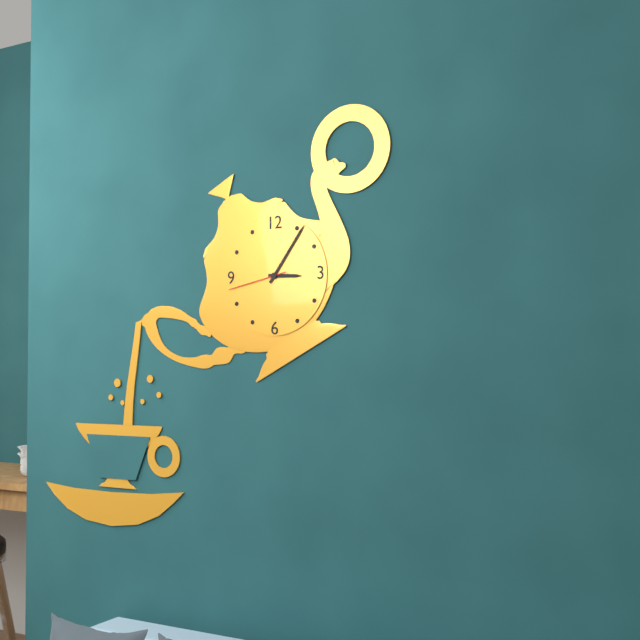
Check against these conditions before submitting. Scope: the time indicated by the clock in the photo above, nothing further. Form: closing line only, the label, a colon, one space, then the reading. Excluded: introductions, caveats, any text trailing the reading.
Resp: 3:06:43
